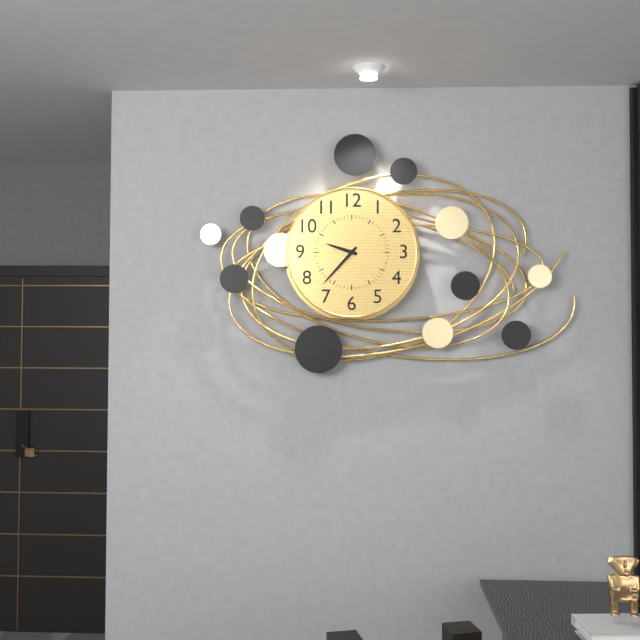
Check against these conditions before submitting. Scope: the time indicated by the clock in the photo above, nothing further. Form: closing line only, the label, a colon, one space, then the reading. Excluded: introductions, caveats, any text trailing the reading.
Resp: 9:37
